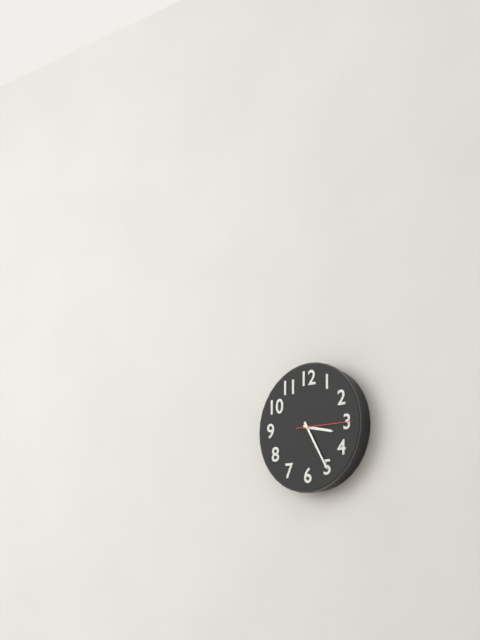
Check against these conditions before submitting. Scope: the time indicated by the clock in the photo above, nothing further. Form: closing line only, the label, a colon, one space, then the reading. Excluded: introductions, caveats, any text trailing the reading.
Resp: 3:25:15
